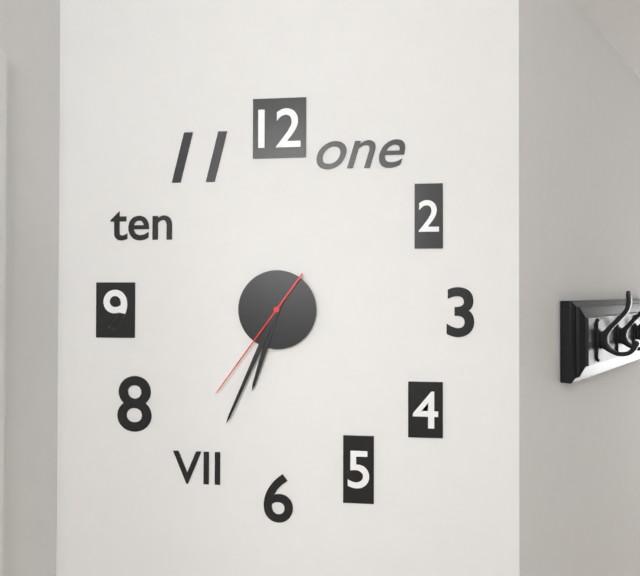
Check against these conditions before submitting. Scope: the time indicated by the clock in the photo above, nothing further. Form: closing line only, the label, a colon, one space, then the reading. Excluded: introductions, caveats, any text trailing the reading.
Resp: 6:34:36
